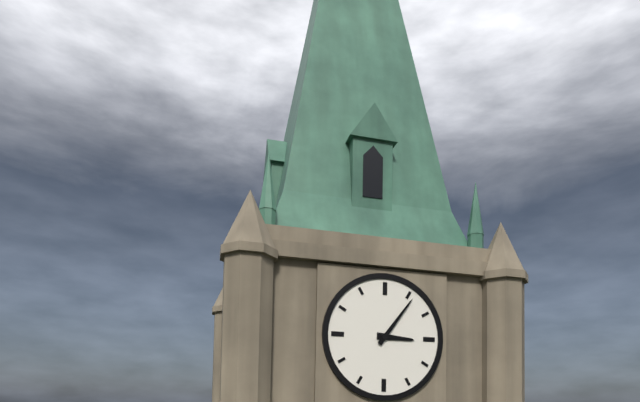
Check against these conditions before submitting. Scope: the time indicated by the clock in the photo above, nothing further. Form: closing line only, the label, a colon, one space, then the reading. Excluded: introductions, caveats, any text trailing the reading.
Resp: 3:06
